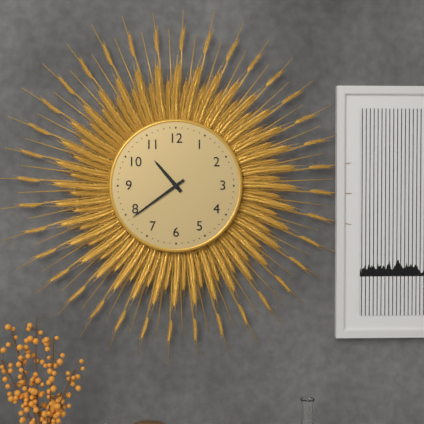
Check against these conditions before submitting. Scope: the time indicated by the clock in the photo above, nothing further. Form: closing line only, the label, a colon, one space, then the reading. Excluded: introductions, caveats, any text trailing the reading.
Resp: 10:39
